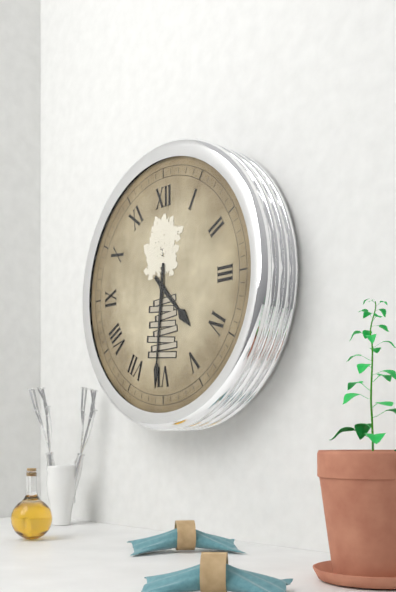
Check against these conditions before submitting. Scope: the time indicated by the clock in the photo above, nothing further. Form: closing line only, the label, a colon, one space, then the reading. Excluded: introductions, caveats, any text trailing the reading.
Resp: 4:31
